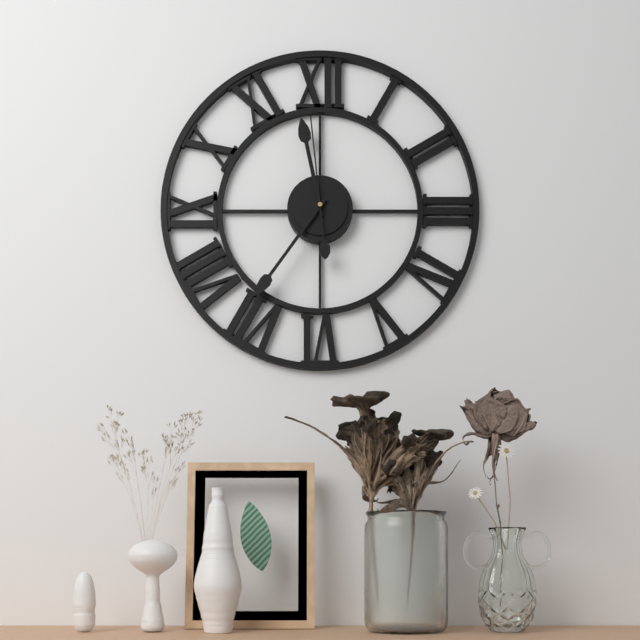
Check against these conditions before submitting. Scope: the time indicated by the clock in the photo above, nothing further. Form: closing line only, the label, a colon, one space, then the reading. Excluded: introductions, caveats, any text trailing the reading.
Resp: 11:36:59
